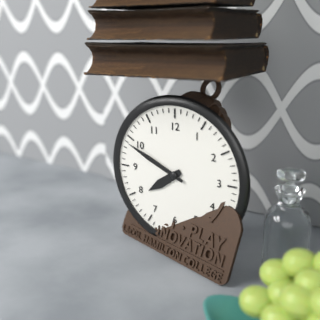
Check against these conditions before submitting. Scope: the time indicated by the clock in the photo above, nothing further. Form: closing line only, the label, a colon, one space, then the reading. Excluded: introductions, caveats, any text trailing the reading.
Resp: 7:49
